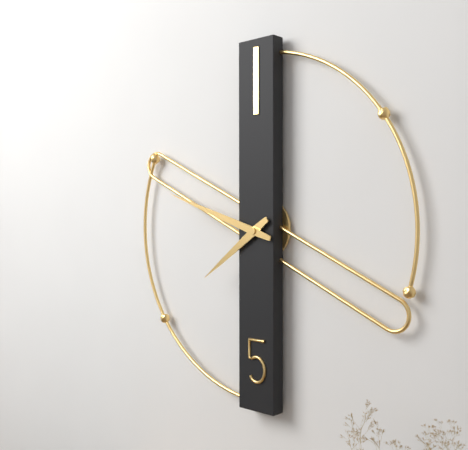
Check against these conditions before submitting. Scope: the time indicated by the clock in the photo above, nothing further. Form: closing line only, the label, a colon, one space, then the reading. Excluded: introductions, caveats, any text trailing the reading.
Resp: 7:48
